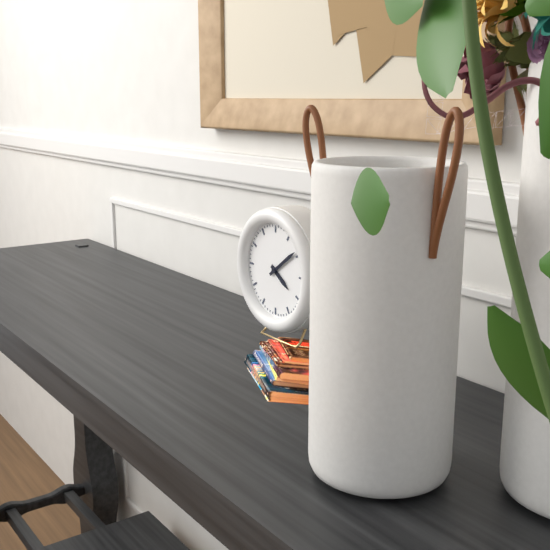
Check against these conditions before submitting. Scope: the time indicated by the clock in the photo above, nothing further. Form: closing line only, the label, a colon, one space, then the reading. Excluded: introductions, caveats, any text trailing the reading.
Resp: 4:09
